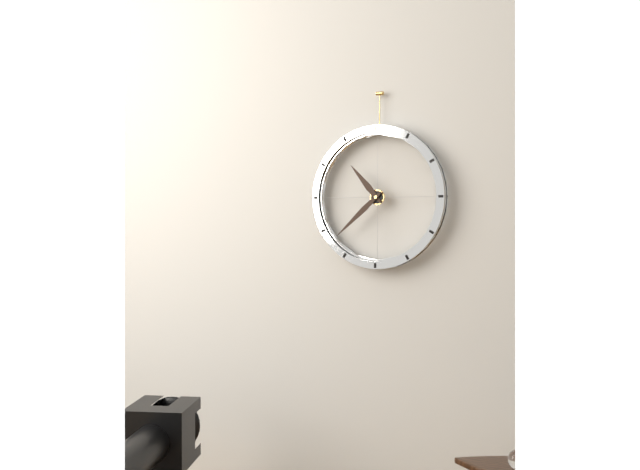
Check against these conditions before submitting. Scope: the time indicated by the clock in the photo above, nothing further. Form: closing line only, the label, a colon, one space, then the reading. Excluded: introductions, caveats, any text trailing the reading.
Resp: 10:38
